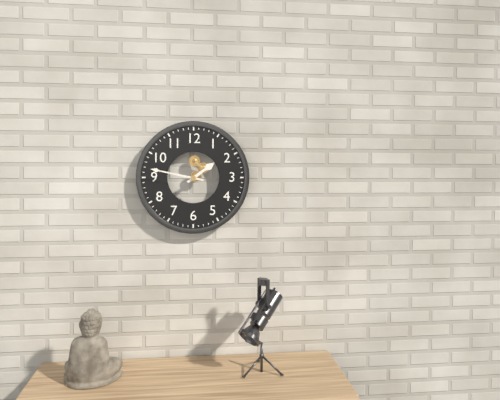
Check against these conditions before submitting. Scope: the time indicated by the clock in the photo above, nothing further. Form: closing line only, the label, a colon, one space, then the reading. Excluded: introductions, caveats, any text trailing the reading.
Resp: 1:47
